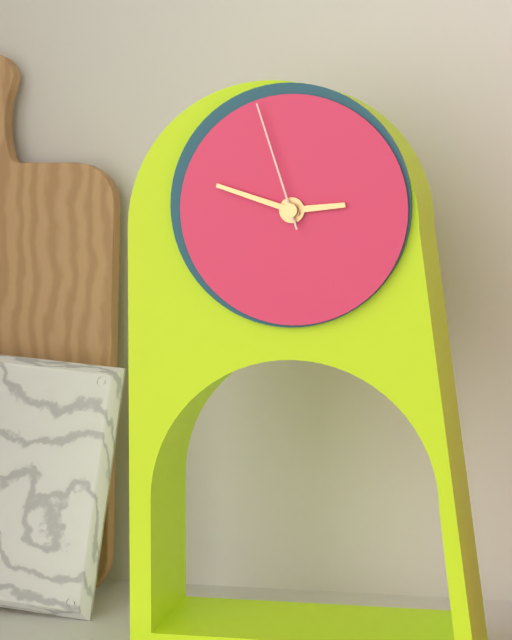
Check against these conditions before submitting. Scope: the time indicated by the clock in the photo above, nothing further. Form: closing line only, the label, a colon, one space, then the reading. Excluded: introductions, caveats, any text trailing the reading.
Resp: 2:48:57
